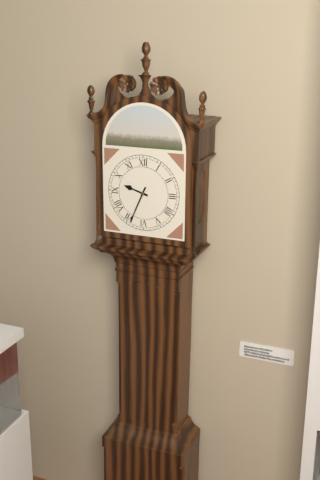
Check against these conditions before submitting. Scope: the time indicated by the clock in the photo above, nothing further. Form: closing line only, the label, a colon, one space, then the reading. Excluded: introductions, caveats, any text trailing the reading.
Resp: 9:34
